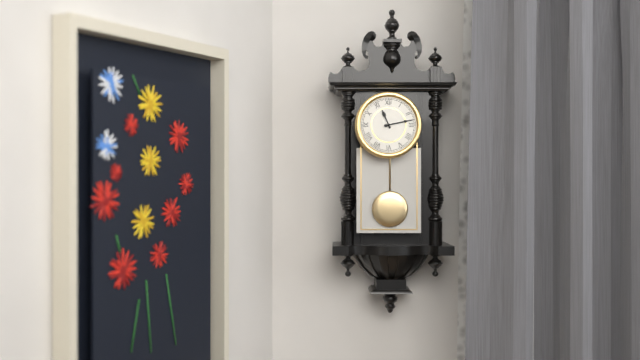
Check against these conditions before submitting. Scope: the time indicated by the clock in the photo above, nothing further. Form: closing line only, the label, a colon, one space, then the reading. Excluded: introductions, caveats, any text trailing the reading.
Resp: 11:13
